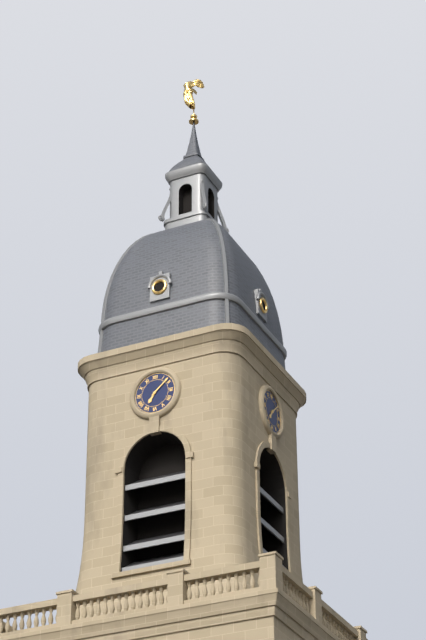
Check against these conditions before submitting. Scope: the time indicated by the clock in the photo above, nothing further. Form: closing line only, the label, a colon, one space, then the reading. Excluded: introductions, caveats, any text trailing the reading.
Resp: 7:08
